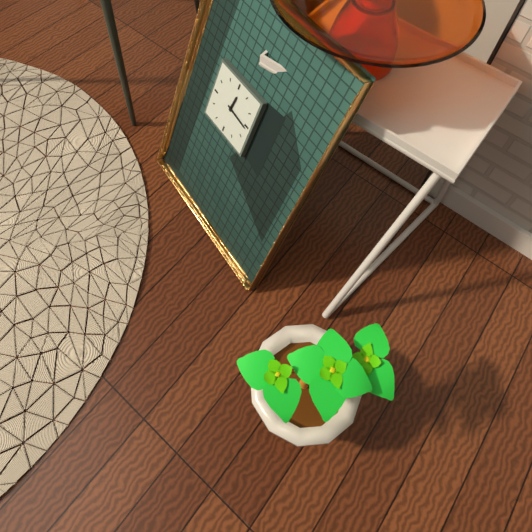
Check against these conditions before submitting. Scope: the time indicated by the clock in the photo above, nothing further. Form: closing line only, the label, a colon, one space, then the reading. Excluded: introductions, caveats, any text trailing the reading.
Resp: 12:16
